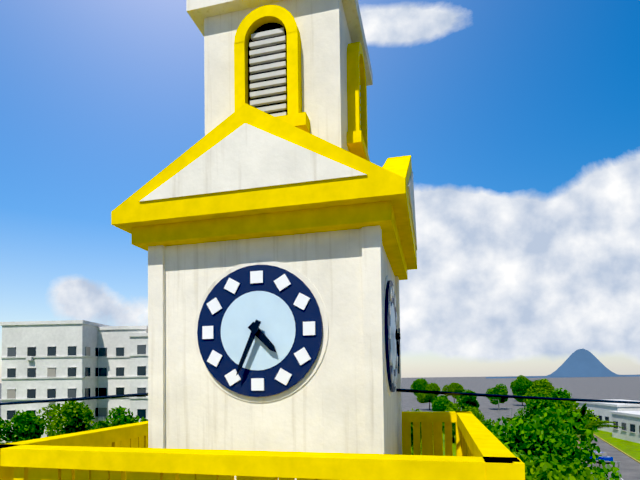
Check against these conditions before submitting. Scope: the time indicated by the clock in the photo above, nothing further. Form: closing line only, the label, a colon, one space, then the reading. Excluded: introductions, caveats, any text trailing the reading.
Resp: 4:34
